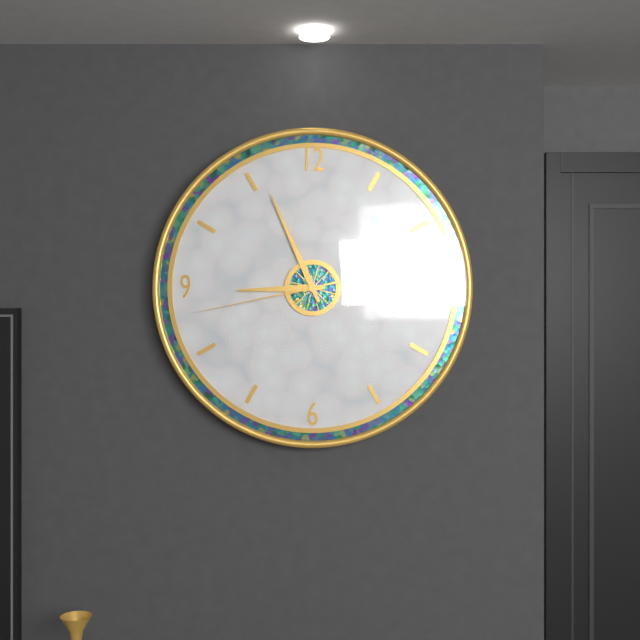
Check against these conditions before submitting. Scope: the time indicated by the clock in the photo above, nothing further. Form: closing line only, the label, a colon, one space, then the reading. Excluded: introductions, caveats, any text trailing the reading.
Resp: 8:56:43
